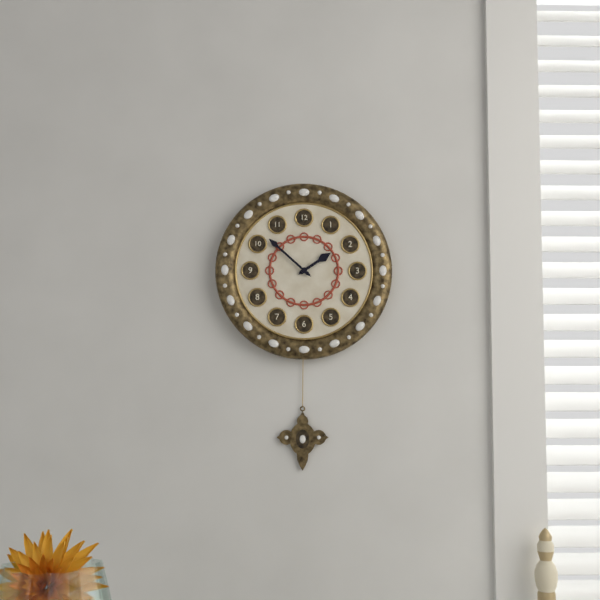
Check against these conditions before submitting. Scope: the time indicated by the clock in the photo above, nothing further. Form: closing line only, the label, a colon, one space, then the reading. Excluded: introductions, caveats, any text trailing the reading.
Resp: 1:52
